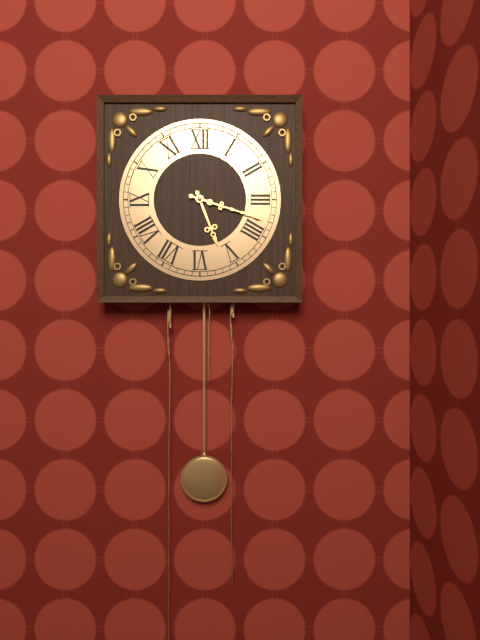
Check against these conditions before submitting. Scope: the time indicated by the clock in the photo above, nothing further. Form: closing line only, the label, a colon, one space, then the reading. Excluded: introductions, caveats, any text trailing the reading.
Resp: 5:18
